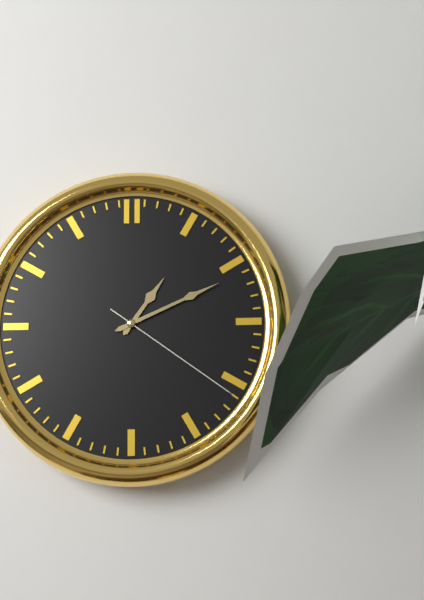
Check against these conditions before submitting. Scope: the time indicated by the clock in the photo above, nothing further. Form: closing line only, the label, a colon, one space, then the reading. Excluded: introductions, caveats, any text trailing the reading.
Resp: 1:11:21
